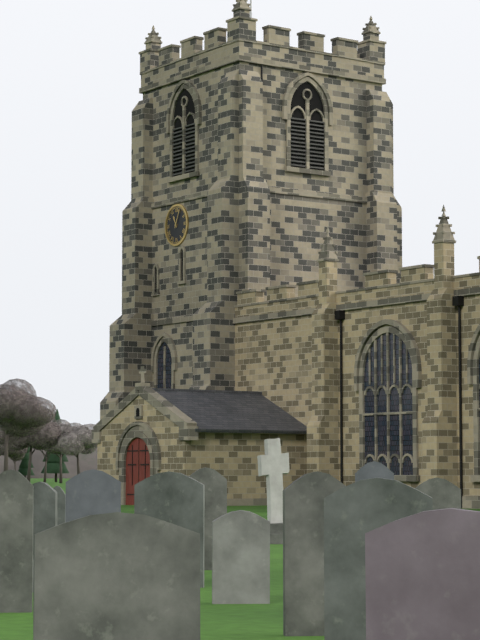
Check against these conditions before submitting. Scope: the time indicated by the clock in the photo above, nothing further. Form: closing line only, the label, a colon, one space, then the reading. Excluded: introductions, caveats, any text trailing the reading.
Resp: 11:04
